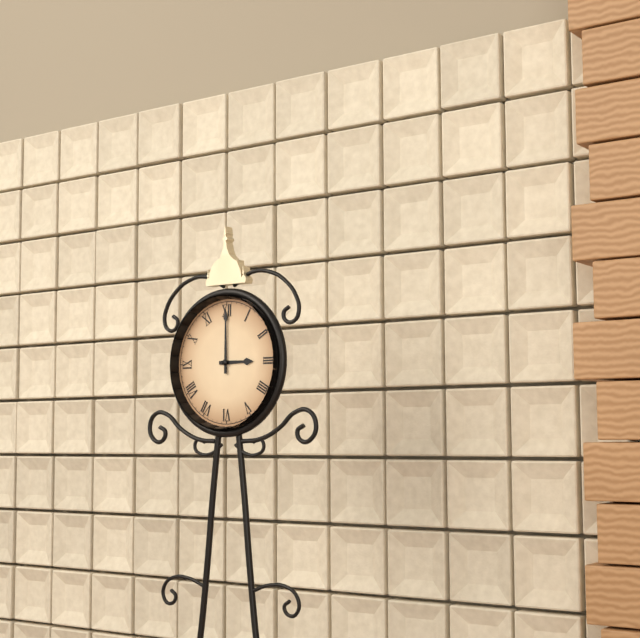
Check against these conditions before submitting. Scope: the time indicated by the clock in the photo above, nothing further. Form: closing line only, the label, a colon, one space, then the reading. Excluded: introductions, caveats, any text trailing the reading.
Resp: 3:00
